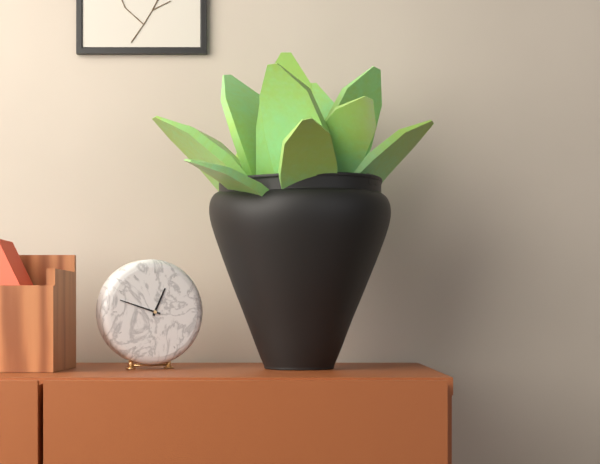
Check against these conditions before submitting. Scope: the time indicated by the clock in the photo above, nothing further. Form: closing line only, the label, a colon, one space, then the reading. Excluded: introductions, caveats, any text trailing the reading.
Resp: 12:48
